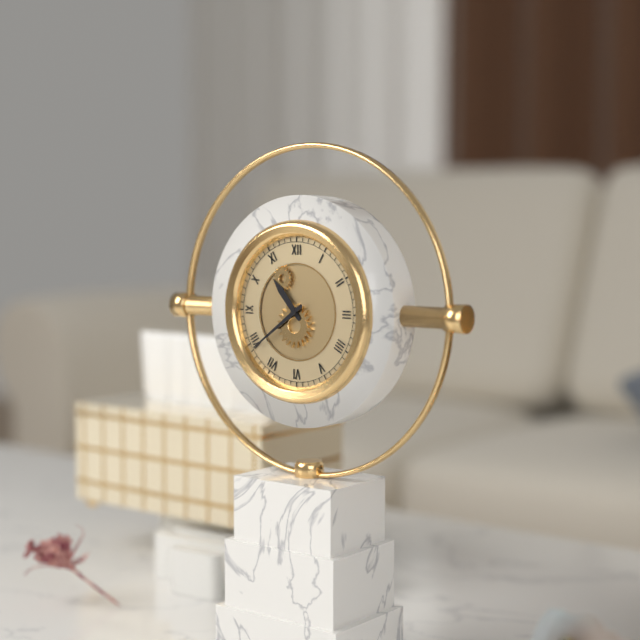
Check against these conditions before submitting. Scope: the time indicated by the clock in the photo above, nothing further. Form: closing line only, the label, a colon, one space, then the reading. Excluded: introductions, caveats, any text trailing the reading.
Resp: 10:39
